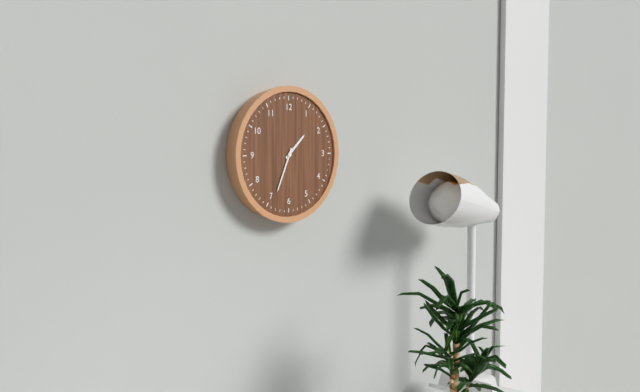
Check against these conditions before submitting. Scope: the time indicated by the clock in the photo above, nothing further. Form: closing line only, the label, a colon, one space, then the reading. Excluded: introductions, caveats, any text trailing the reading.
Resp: 1:34
